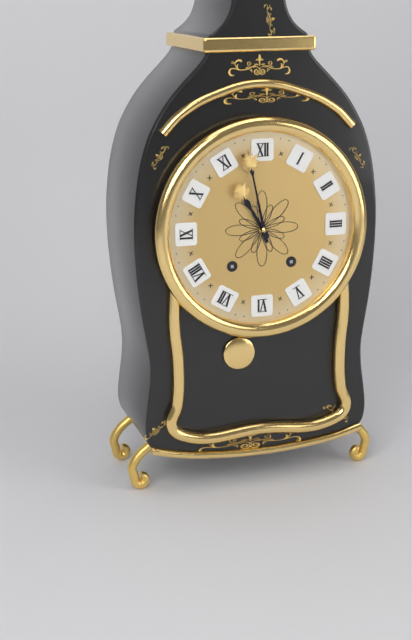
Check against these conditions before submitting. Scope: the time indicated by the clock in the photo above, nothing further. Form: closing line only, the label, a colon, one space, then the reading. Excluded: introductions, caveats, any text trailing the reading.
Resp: 10:58
